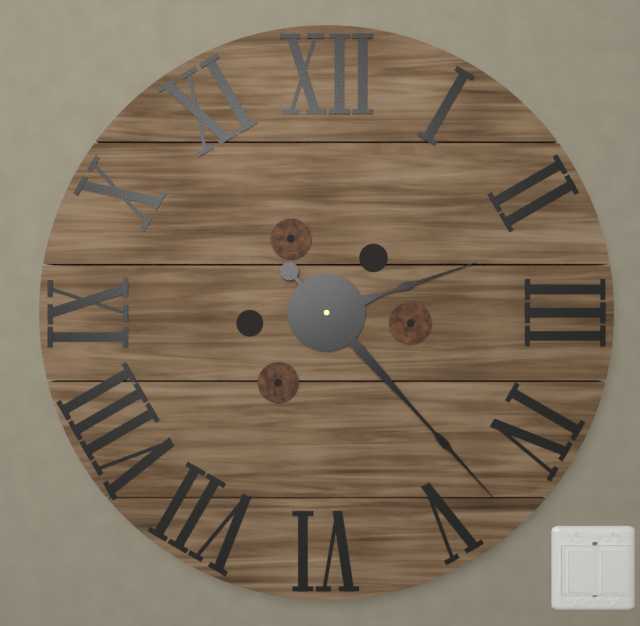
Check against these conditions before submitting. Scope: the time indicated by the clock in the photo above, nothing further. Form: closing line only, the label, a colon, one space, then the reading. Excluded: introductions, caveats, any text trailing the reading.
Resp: 2:23
